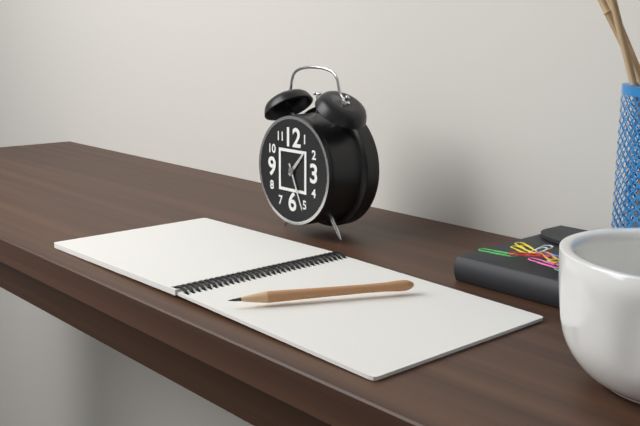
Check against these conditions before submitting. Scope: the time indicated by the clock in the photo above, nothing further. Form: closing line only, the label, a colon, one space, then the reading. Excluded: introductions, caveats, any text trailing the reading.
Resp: 1:26
